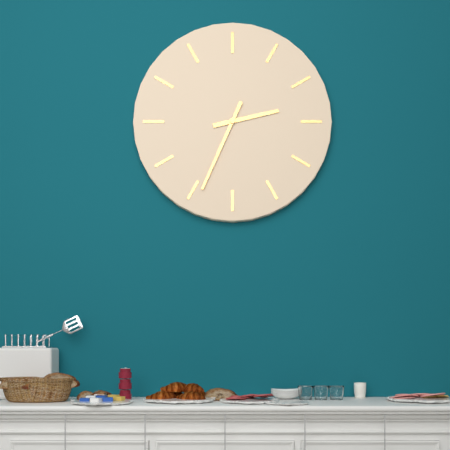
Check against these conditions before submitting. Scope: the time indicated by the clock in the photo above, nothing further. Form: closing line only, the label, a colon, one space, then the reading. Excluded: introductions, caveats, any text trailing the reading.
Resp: 2:34
